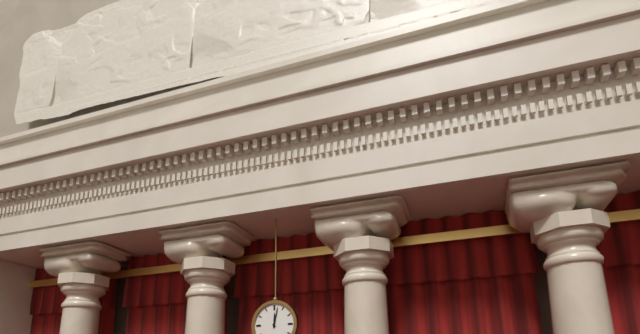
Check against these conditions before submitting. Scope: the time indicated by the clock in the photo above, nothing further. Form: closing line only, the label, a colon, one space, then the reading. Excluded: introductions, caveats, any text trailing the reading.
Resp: 12:02
